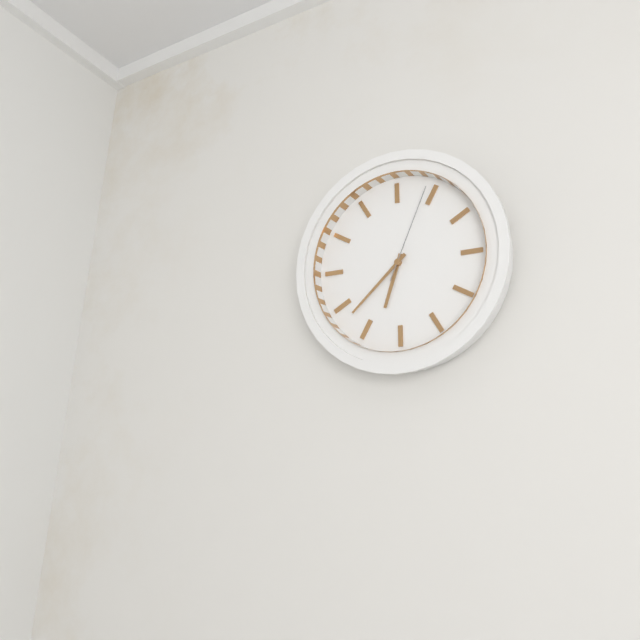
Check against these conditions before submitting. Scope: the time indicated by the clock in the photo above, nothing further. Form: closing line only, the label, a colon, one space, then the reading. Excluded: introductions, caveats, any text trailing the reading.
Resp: 6:38:04
